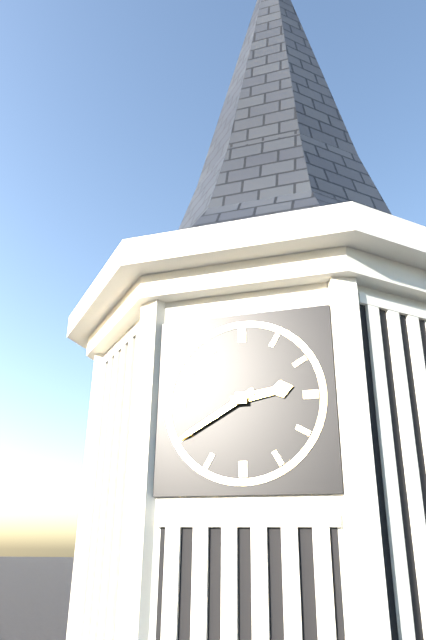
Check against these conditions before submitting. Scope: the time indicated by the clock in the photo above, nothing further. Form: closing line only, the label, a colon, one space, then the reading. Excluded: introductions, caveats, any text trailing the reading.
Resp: 2:40
